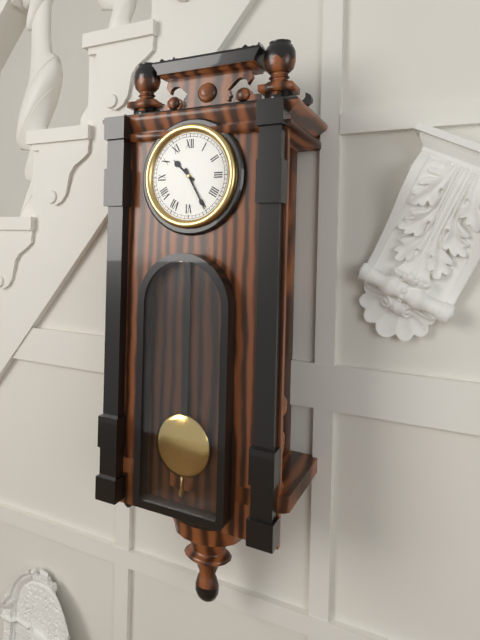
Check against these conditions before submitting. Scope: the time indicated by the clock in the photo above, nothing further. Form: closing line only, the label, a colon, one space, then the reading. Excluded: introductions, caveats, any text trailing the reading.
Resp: 10:25
